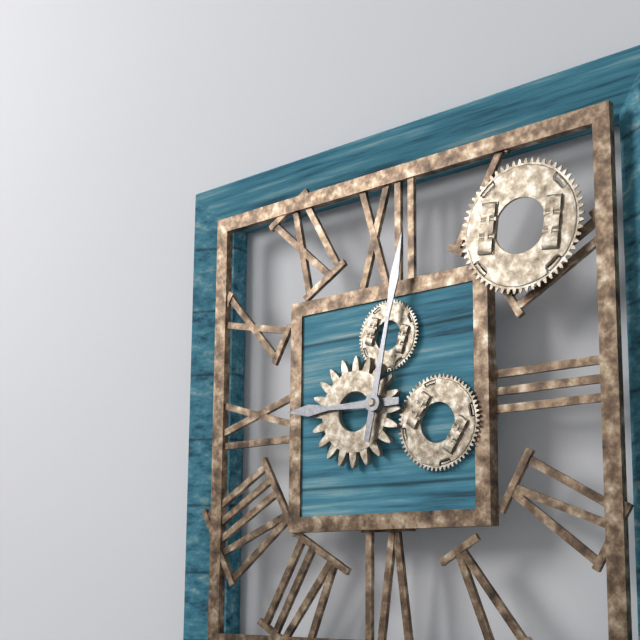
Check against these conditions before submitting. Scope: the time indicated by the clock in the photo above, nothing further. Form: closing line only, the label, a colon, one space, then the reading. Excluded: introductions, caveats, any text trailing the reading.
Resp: 9:02
